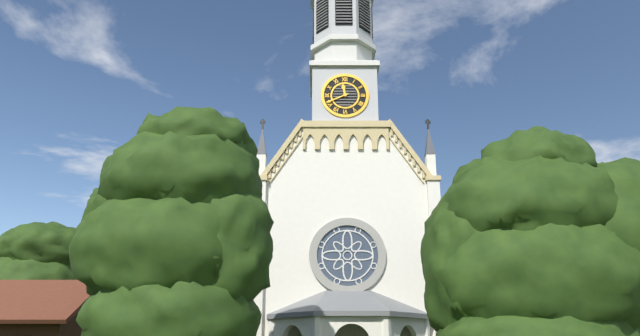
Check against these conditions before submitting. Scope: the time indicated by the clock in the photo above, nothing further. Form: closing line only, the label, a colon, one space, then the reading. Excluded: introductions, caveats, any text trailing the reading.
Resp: 11:41
